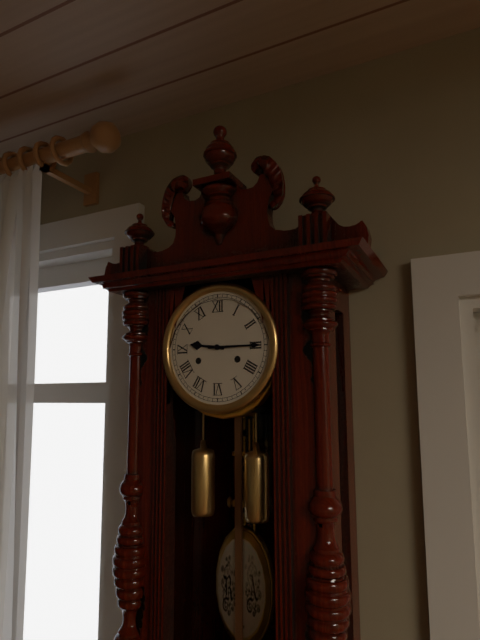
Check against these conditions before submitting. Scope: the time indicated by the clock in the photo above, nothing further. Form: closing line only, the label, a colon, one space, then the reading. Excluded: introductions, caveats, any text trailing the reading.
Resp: 9:15
